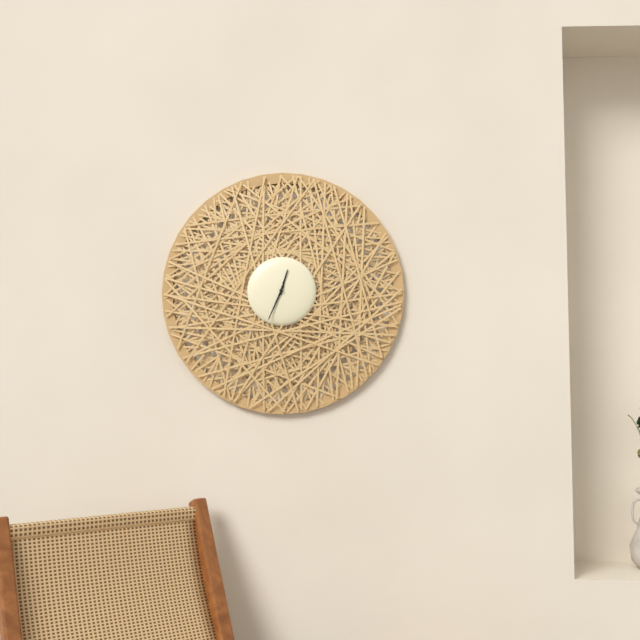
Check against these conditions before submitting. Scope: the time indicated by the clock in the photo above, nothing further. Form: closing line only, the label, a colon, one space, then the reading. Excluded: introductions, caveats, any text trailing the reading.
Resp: 12:34
